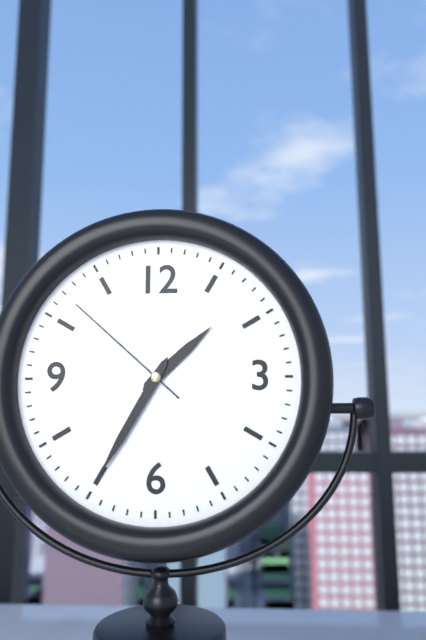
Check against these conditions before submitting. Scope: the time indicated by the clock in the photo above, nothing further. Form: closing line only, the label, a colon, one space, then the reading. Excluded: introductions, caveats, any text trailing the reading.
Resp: 1:35:52
